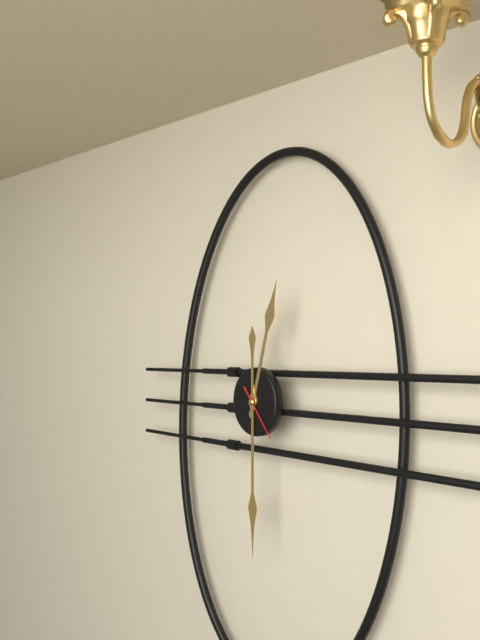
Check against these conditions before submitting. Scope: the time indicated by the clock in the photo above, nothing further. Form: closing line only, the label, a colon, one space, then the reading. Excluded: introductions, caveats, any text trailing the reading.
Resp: 12:30:24
